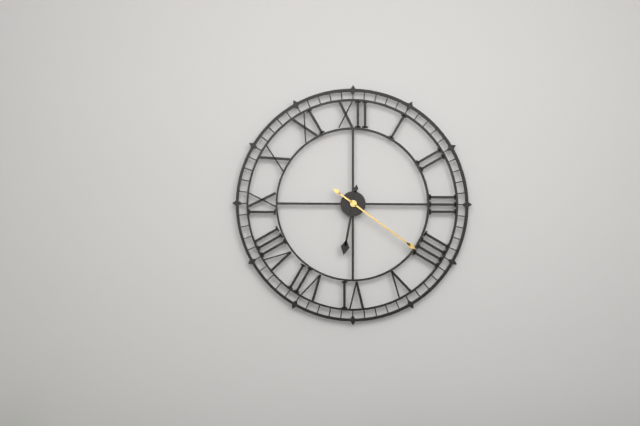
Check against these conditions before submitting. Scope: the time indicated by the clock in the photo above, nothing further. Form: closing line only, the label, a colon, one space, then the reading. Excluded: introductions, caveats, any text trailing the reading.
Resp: 6:21
